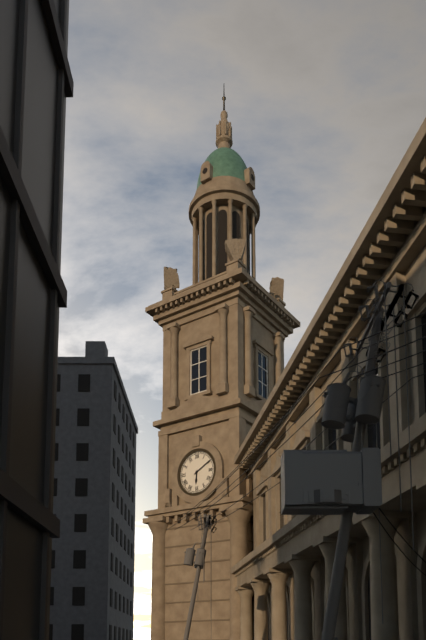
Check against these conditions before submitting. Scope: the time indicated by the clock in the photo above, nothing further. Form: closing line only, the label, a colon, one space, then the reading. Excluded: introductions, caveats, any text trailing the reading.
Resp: 6:10
